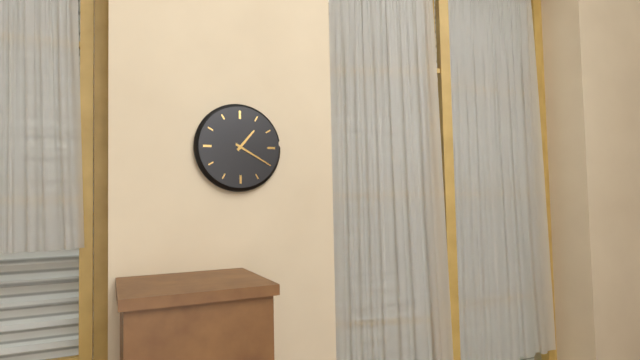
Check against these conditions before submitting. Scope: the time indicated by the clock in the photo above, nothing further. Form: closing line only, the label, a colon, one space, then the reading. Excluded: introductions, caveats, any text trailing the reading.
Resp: 1:20
